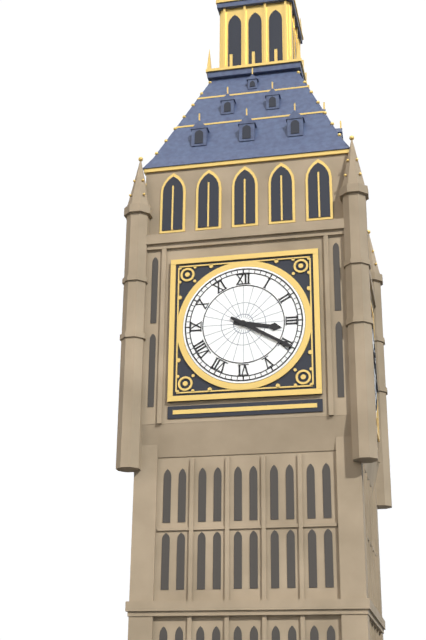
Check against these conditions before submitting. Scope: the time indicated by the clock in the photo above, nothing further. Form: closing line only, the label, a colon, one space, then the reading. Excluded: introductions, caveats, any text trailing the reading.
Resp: 3:20
